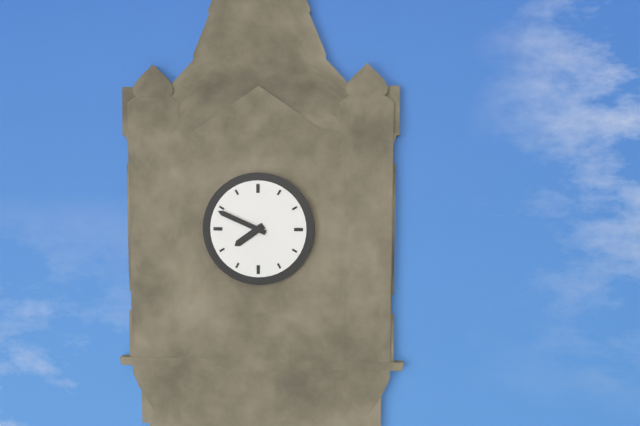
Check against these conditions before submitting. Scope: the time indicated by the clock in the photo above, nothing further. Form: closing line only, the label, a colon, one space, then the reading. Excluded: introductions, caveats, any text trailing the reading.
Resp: 7:49
